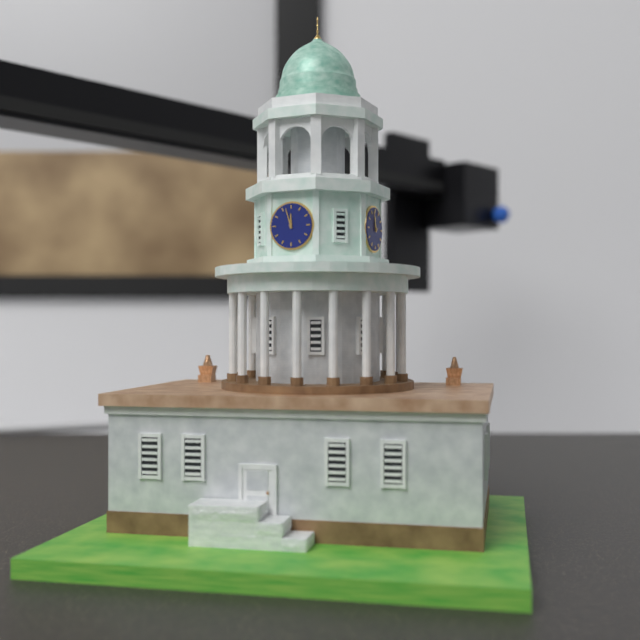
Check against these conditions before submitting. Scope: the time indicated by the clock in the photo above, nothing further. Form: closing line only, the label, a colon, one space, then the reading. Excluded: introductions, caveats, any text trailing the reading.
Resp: 11:57
